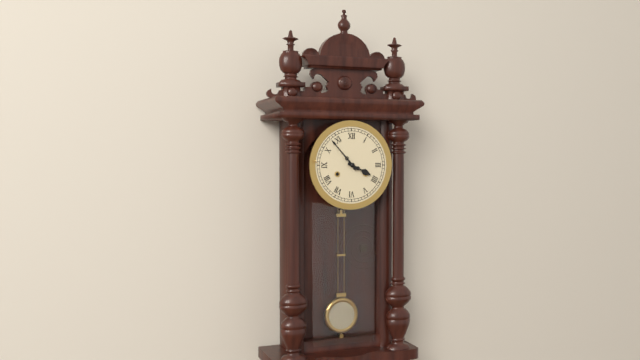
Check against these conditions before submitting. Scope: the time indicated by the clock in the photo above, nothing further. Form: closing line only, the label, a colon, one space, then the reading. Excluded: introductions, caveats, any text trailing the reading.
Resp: 3:53
